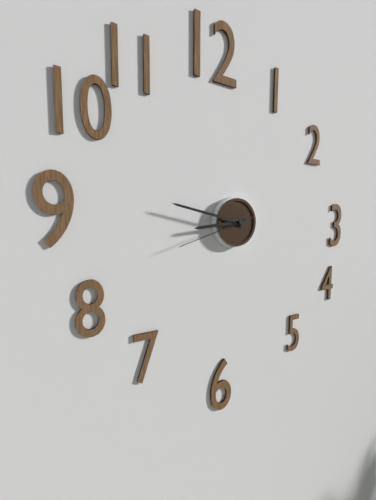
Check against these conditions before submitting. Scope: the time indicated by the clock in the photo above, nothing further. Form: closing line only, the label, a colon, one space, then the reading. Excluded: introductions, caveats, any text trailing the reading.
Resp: 8:47:42
